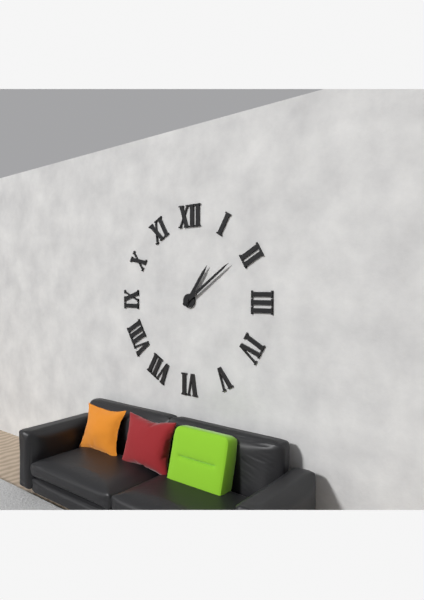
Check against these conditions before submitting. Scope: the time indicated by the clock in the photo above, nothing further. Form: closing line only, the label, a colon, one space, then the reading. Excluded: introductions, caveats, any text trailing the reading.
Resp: 1:09
